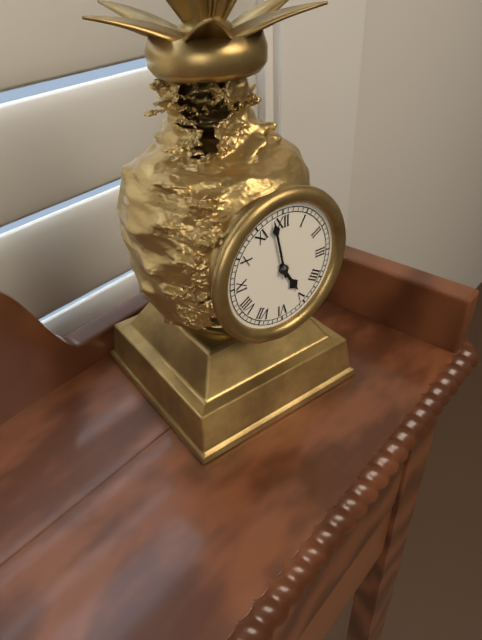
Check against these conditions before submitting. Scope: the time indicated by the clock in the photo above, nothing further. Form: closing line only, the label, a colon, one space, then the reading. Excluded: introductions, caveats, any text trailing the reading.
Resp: 4:58
